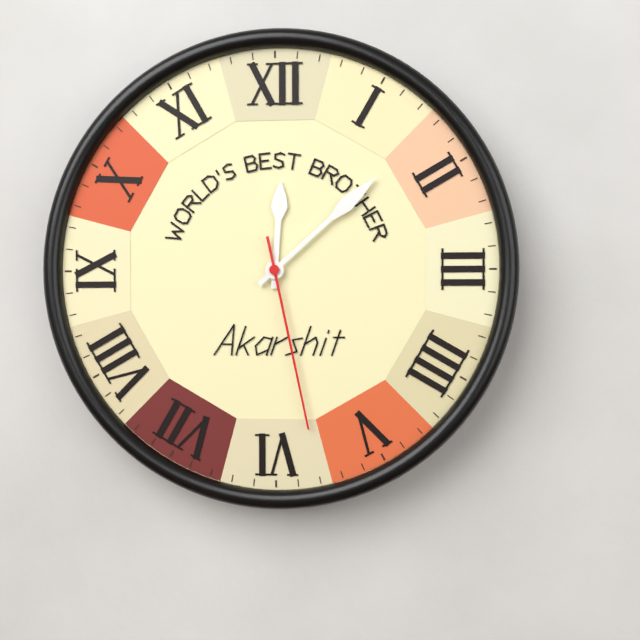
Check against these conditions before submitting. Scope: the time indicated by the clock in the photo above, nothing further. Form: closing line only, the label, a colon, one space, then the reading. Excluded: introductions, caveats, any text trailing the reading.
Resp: 12:08:28
